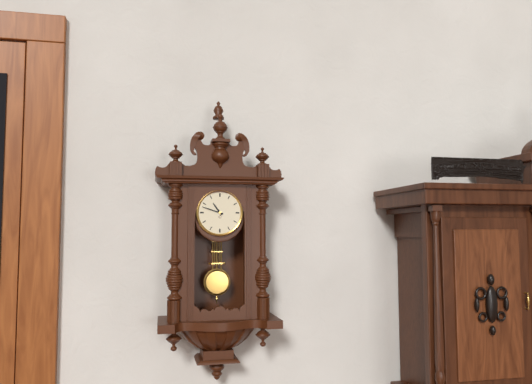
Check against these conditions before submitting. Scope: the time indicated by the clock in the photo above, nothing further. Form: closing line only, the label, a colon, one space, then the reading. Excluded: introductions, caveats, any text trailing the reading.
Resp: 10:48
